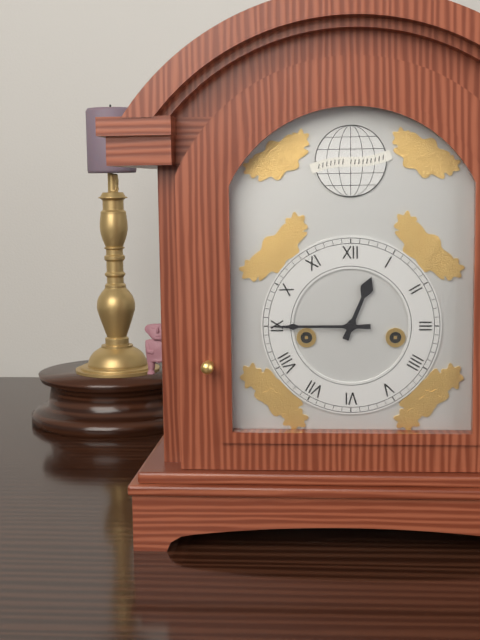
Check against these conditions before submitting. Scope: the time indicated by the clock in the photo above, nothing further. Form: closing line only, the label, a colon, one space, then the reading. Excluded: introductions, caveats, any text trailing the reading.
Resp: 12:45
